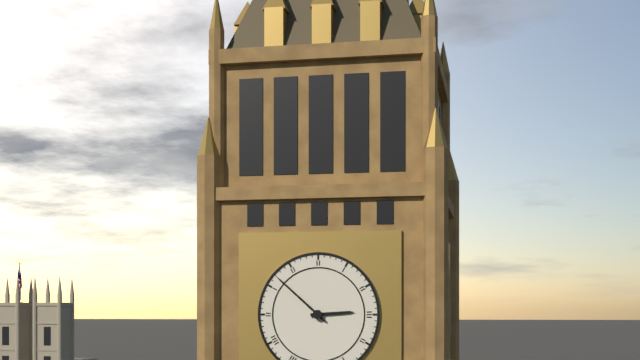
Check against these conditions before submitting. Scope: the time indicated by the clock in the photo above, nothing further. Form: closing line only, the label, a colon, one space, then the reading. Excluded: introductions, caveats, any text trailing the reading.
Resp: 2:52
